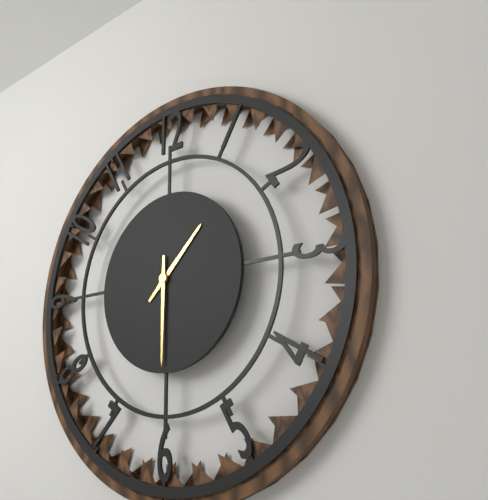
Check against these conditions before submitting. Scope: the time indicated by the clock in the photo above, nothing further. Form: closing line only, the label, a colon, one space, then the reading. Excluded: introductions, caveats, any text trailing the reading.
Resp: 1:30
